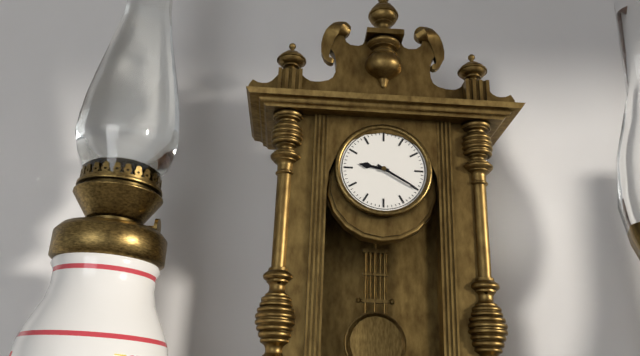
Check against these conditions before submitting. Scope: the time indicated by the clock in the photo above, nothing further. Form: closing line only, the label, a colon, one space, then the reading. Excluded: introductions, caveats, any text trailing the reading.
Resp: 9:20
